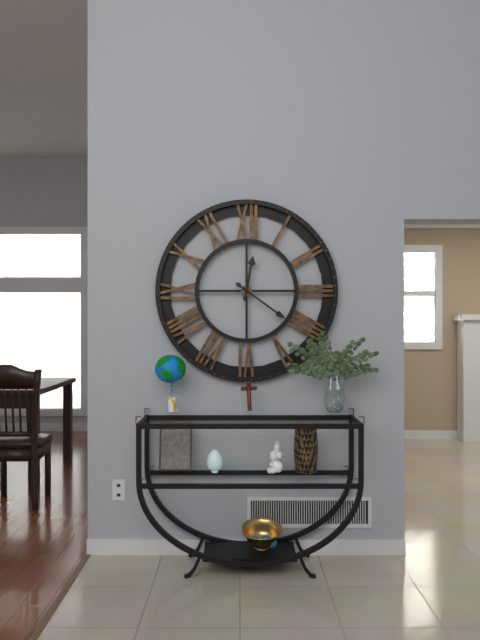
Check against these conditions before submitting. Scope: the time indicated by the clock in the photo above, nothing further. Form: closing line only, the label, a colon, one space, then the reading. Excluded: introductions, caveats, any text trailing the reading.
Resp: 12:21
